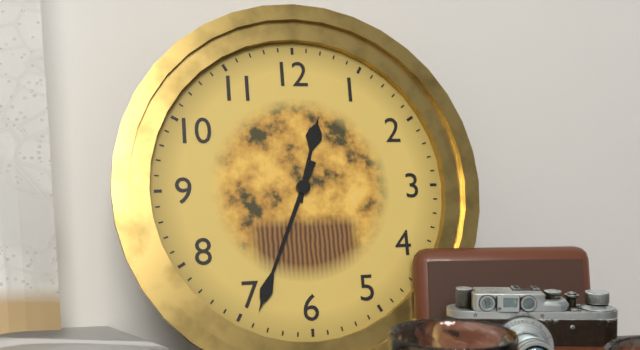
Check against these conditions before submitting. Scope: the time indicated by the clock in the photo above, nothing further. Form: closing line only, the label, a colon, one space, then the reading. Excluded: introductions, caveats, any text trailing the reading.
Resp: 12:34
